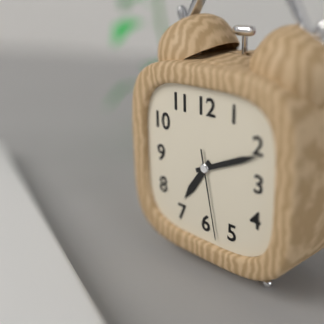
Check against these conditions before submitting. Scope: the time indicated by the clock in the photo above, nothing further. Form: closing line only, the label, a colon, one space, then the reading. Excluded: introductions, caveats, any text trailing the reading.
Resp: 7:11:28
